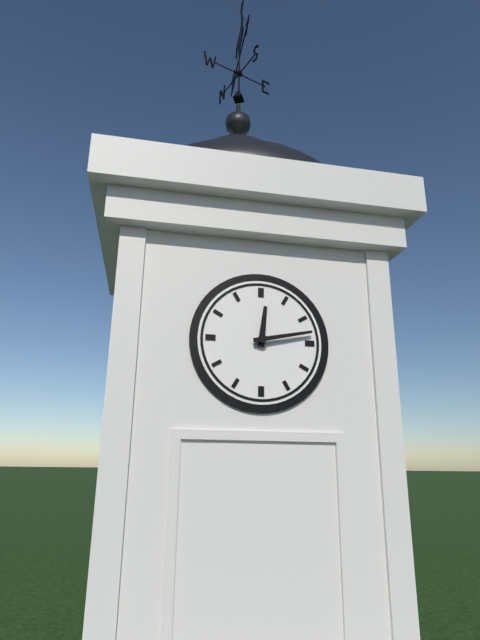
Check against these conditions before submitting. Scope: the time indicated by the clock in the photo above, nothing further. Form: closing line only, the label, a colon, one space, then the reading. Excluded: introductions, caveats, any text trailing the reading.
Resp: 12:13
